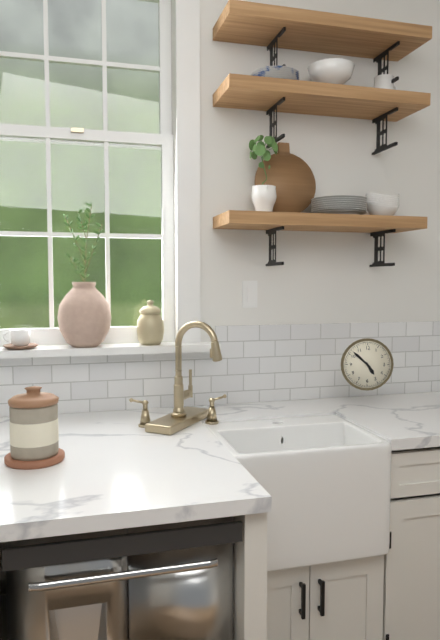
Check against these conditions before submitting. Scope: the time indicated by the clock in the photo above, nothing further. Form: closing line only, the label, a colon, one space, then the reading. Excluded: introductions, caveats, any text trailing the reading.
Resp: 4:52
